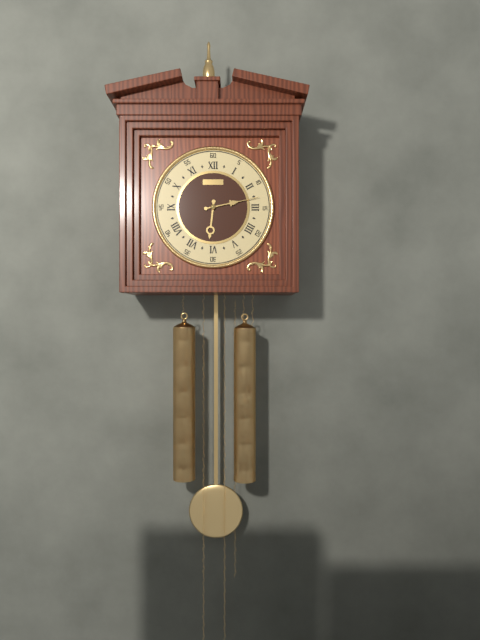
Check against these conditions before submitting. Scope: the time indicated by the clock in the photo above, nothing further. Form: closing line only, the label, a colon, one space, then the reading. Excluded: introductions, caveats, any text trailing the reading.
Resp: 6:13
